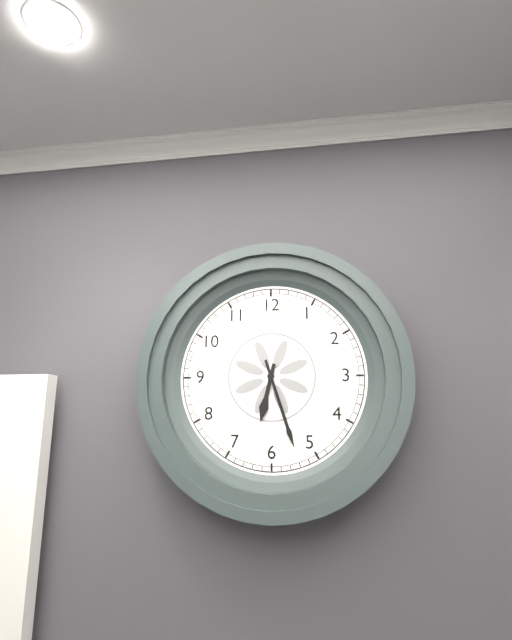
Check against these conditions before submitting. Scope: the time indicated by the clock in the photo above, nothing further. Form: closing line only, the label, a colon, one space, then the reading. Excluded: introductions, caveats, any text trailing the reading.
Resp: 6:27
